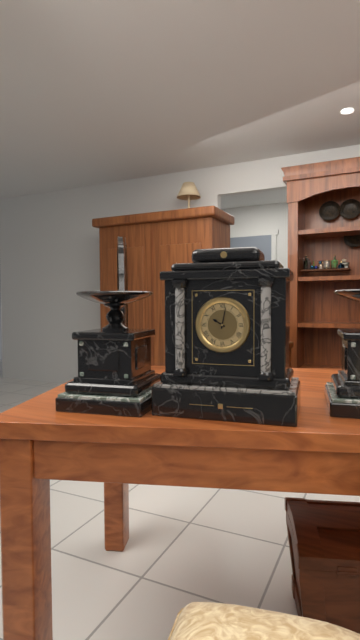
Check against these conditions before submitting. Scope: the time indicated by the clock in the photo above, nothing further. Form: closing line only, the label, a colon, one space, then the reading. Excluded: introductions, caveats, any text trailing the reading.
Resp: 10:02
